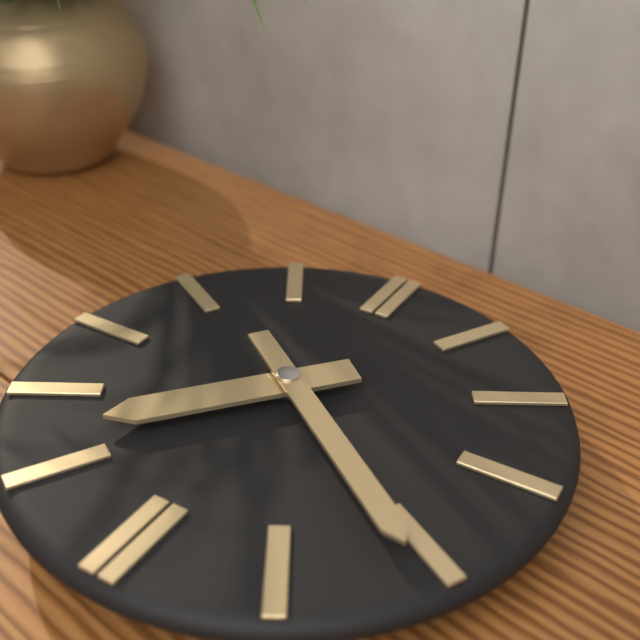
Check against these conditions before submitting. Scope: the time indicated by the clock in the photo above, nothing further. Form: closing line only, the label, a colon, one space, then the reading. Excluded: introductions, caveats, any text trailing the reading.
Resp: 7:21
